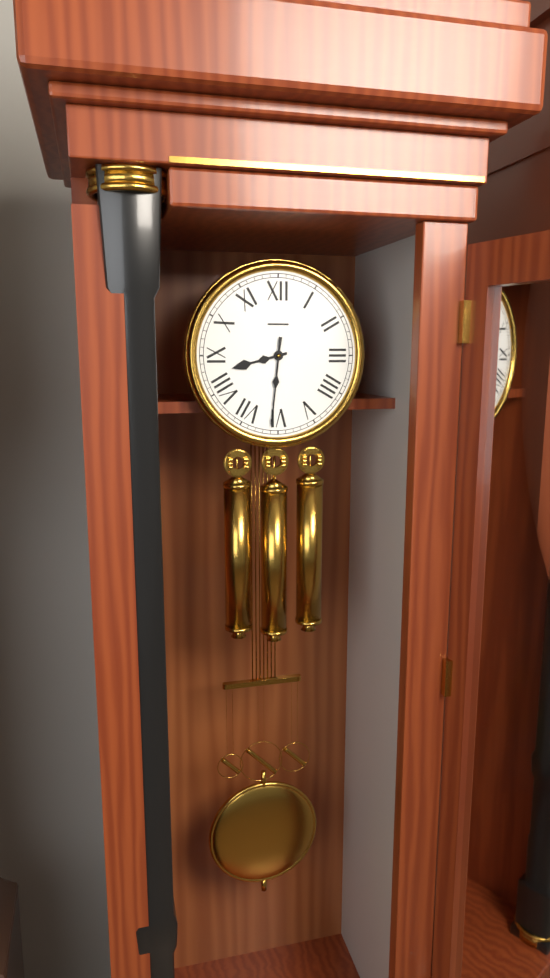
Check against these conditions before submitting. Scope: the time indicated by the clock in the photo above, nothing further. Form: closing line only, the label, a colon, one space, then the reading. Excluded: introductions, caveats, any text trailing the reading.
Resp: 8:31
